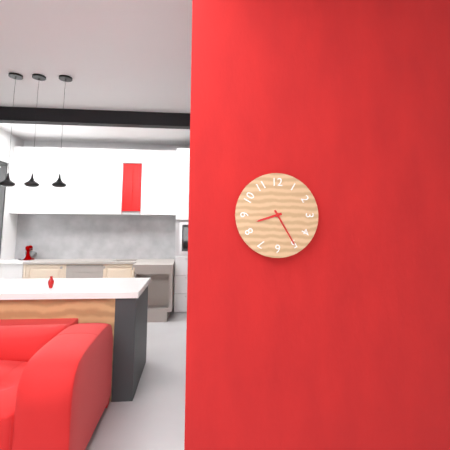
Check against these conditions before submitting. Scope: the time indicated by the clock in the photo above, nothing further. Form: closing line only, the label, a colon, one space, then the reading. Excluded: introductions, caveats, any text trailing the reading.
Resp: 8:25
